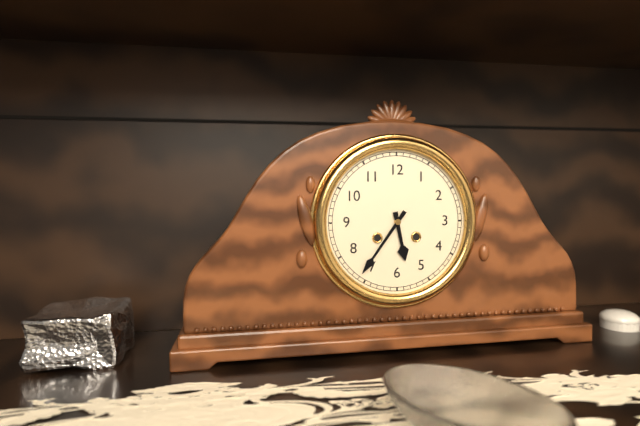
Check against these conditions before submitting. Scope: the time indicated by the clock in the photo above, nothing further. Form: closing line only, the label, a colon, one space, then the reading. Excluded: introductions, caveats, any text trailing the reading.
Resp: 5:36
